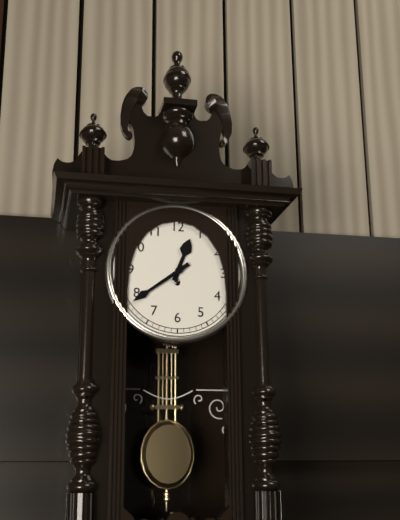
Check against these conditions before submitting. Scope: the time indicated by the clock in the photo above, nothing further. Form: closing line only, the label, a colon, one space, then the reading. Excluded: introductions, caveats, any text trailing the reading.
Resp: 12:39
